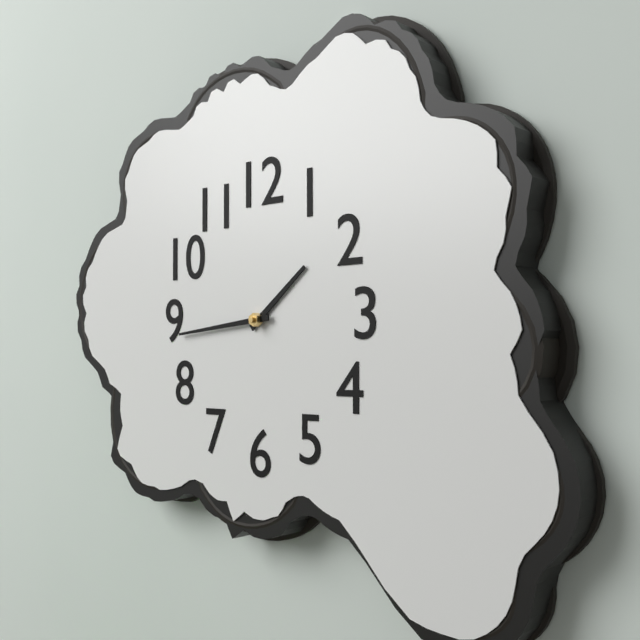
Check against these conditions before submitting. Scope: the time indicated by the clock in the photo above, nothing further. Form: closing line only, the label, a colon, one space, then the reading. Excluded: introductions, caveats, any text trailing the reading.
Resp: 1:44
